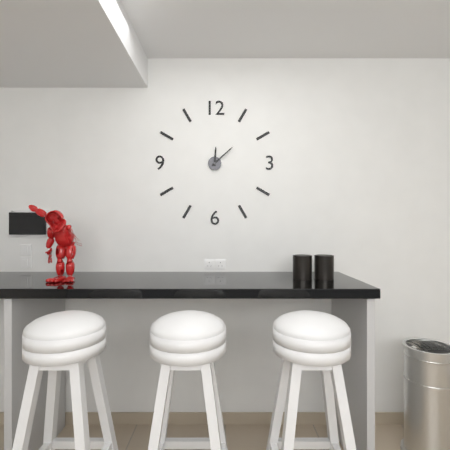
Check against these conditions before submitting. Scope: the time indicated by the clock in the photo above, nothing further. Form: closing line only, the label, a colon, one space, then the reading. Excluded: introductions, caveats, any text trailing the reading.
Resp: 12:08
